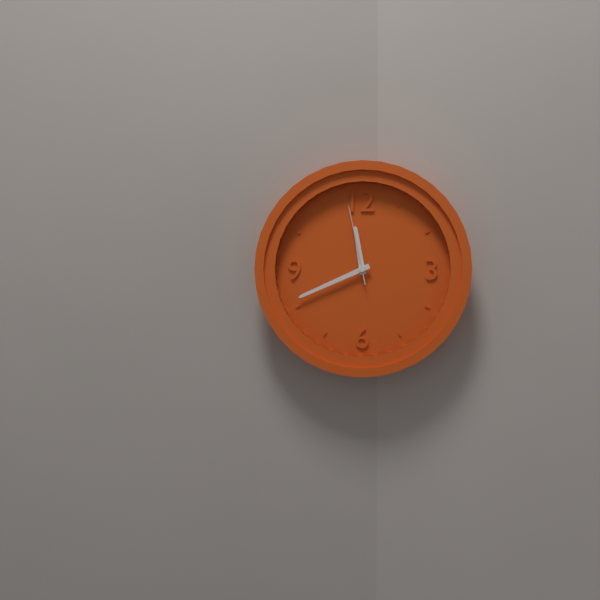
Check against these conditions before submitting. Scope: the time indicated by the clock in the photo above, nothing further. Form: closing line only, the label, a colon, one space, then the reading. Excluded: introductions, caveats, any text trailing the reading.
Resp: 11:41:58
